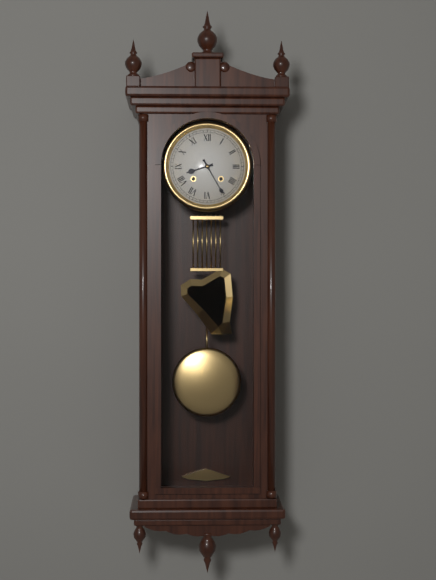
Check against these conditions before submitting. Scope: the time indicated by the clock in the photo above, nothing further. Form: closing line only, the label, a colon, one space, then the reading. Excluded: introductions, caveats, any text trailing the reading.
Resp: 8:25
